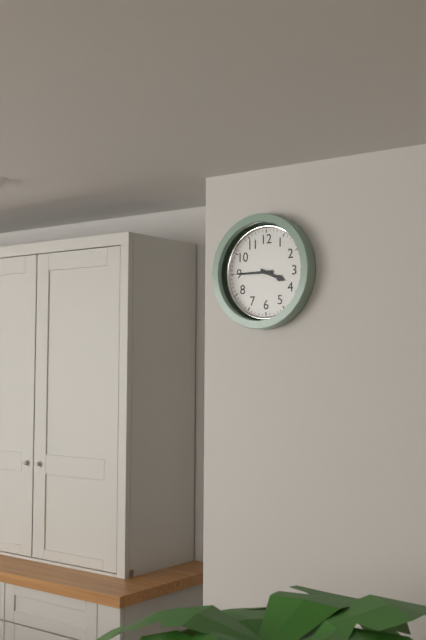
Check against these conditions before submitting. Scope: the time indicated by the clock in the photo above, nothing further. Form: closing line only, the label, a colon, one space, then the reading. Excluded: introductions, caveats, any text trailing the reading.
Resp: 3:45
